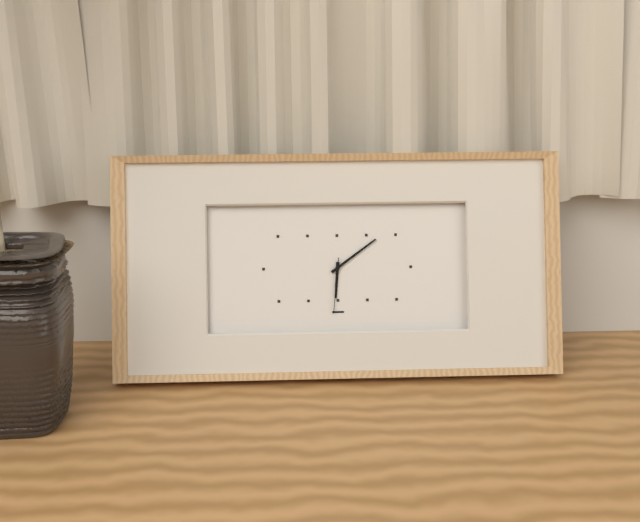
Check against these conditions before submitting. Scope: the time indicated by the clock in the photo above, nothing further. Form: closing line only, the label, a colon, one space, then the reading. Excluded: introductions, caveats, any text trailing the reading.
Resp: 6:09:31
